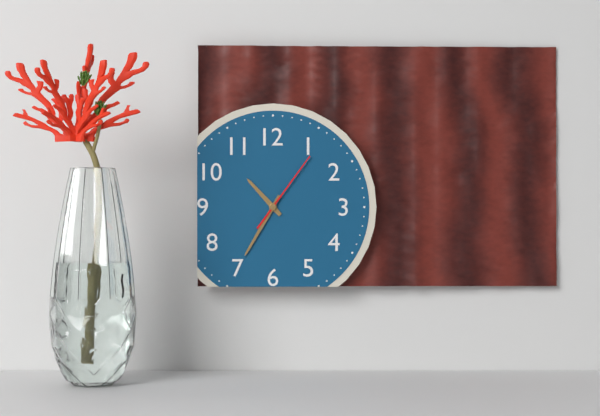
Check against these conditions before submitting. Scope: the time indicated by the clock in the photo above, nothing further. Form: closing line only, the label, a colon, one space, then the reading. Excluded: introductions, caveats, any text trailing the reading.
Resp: 10:35:06
